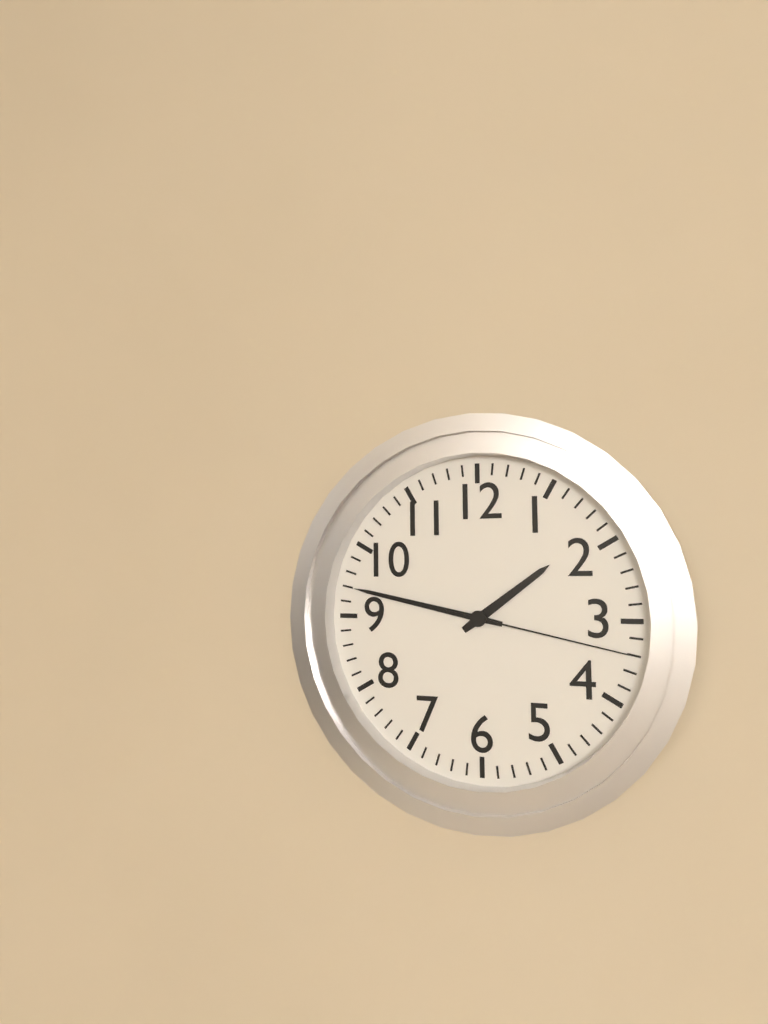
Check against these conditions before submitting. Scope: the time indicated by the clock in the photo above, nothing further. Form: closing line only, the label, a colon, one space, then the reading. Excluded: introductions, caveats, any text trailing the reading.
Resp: 1:47:17
